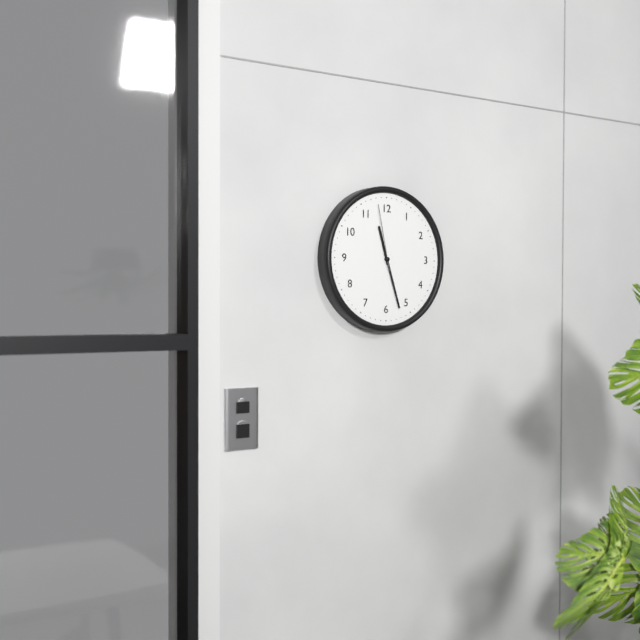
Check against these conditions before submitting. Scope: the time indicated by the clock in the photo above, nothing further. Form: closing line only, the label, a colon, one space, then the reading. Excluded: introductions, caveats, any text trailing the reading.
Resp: 11:27:58
